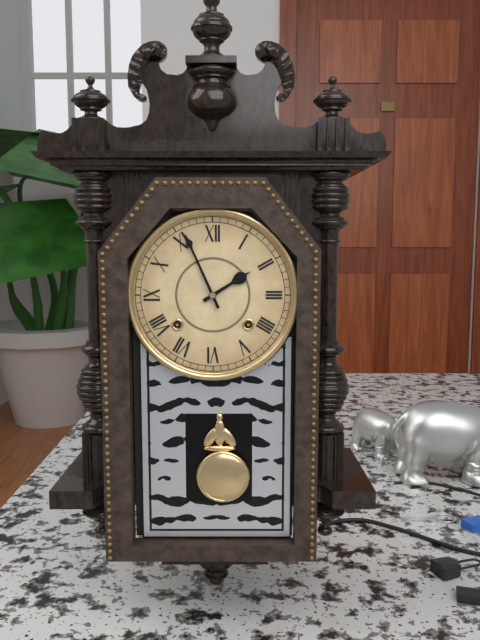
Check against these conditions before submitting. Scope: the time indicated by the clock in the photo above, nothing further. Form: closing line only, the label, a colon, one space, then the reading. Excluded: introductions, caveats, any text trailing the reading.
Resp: 1:56
